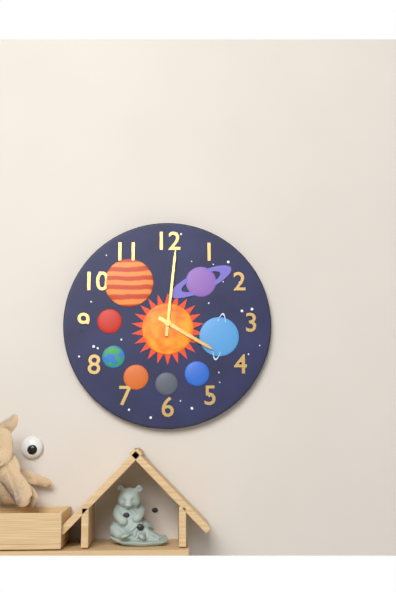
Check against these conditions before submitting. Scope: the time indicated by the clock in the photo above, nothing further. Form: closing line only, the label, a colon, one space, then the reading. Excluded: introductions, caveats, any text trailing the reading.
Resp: 4:01
